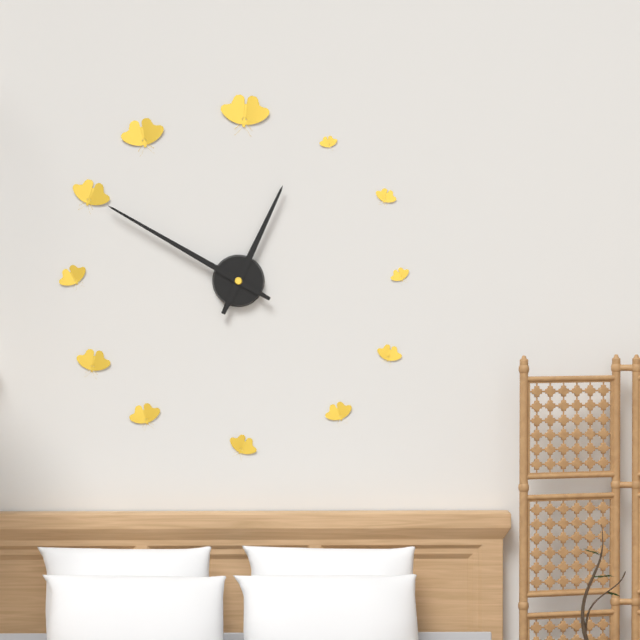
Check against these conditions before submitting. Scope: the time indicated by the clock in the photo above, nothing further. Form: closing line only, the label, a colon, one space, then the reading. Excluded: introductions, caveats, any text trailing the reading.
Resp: 12:50
